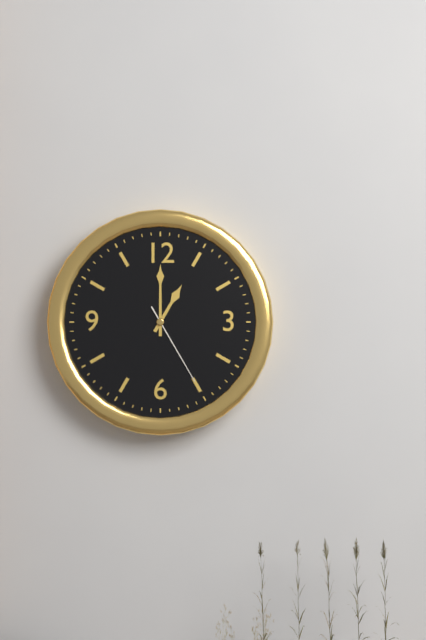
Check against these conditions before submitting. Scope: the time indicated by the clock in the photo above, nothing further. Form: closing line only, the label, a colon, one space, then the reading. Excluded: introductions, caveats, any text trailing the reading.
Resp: 1:00:25
